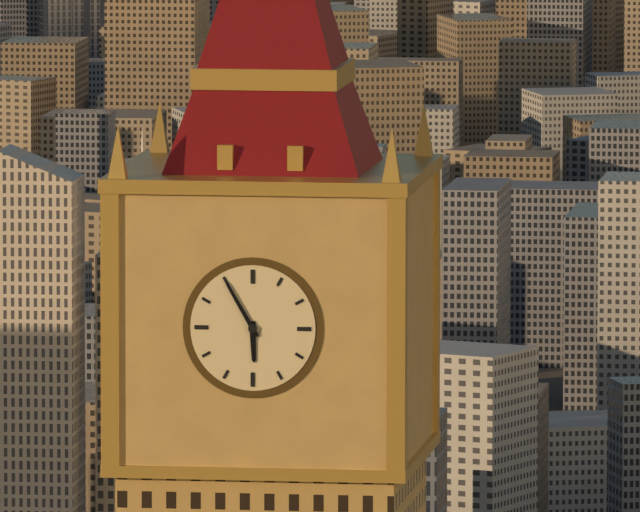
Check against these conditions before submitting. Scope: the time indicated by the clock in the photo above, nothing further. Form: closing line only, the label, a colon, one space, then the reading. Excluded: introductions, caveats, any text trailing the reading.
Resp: 5:55
